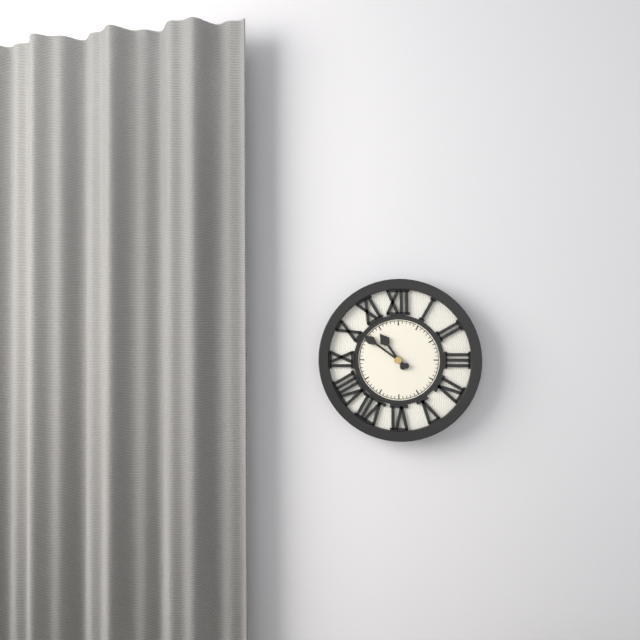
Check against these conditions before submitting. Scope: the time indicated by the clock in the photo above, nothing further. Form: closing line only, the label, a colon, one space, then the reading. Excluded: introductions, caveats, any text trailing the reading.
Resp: 10:51
